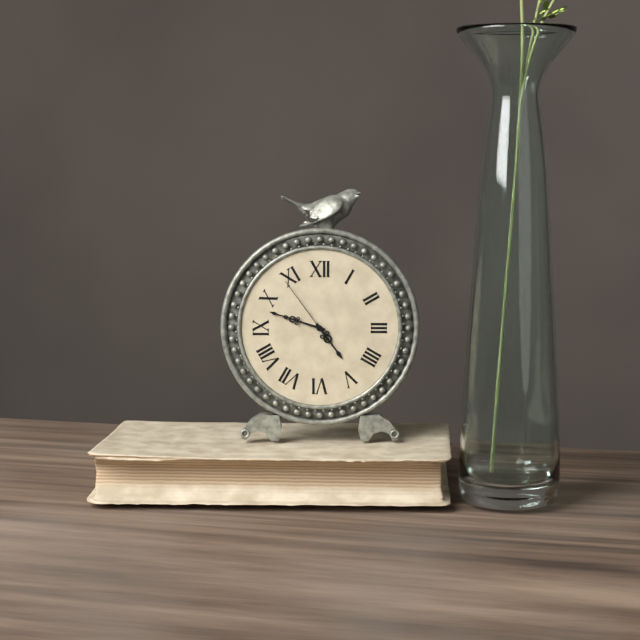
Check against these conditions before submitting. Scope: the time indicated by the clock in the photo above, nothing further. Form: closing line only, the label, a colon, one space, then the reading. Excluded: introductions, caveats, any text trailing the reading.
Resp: 4:48:54
